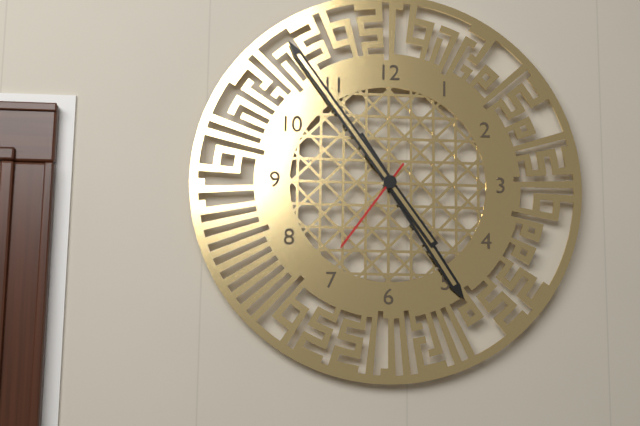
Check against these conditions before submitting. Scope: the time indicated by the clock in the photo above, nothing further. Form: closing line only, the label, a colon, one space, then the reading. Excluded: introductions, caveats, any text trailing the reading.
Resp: 4:54:36
